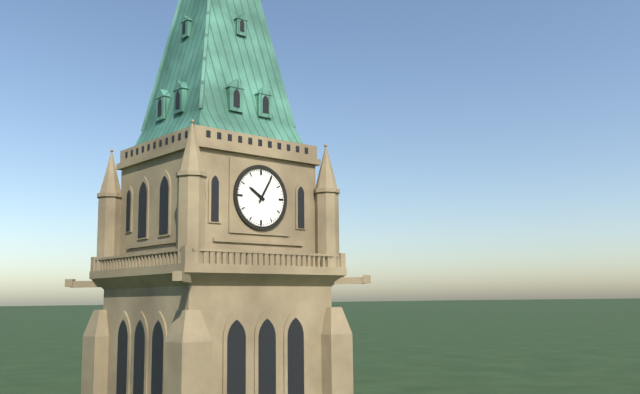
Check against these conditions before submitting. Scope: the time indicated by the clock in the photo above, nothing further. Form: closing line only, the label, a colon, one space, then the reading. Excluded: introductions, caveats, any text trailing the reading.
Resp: 10:05
